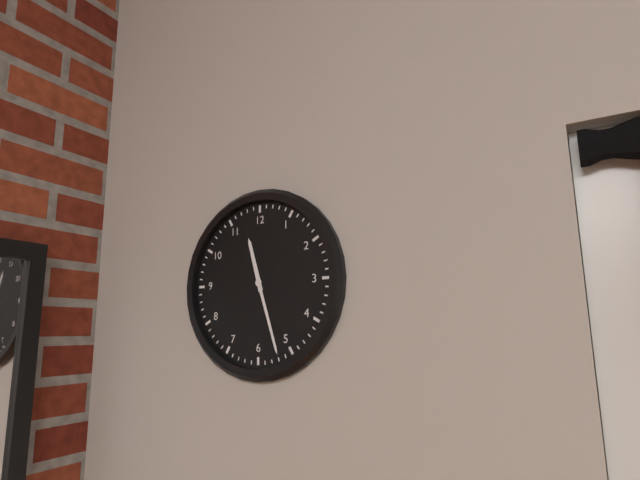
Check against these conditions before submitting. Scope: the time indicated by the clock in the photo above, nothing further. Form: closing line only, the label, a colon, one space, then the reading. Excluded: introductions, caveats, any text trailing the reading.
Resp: 11:27
